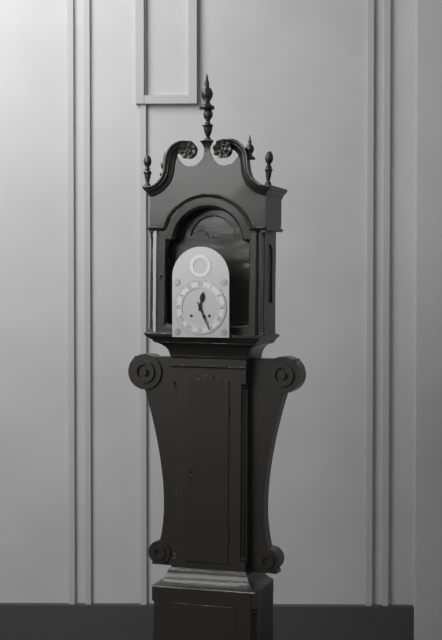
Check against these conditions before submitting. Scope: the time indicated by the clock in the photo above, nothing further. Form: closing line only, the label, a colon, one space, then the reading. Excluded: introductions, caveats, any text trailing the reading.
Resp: 12:26
